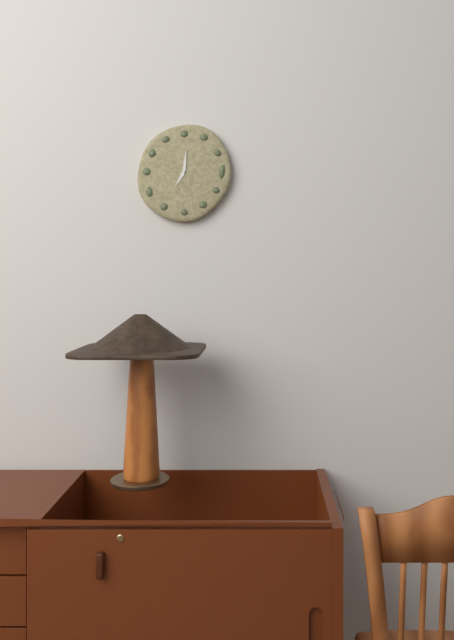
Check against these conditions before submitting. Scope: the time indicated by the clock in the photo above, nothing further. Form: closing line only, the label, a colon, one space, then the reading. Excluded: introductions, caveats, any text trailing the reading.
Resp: 7:01
